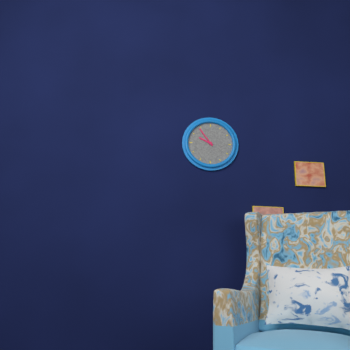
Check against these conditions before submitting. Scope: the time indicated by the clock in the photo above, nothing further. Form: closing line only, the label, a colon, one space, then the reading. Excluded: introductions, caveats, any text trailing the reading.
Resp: 9:54
